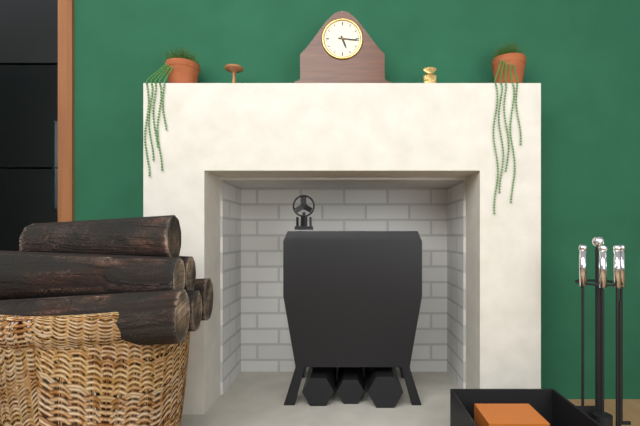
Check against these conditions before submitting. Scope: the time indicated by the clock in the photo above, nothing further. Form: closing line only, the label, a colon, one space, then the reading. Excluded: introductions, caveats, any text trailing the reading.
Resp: 5:16
